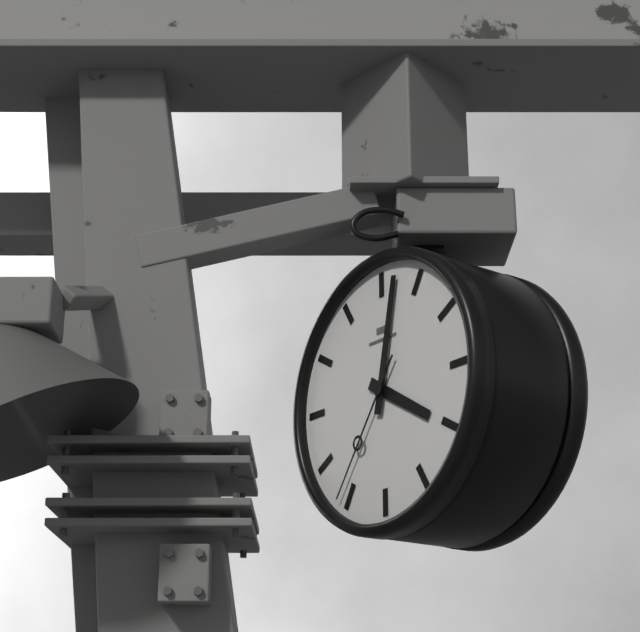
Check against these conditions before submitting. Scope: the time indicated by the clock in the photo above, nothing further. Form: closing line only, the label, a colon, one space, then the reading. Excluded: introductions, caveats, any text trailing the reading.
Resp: 4:02:36
